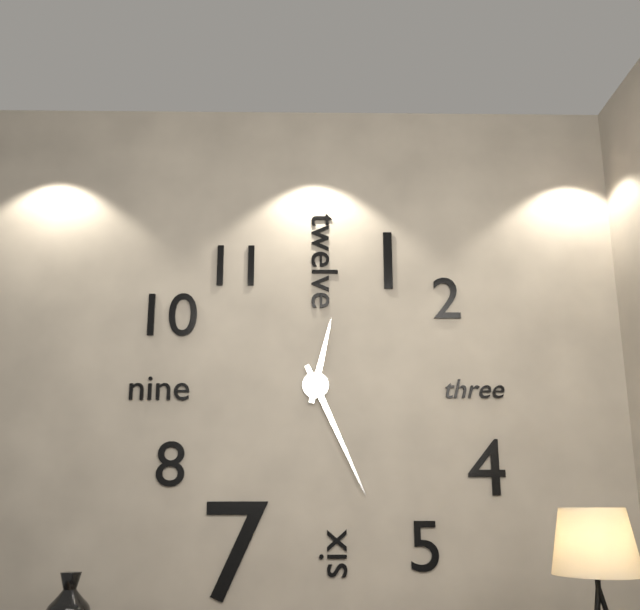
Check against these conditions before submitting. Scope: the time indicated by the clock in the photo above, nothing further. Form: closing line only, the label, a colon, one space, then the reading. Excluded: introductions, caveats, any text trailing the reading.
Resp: 12:26
